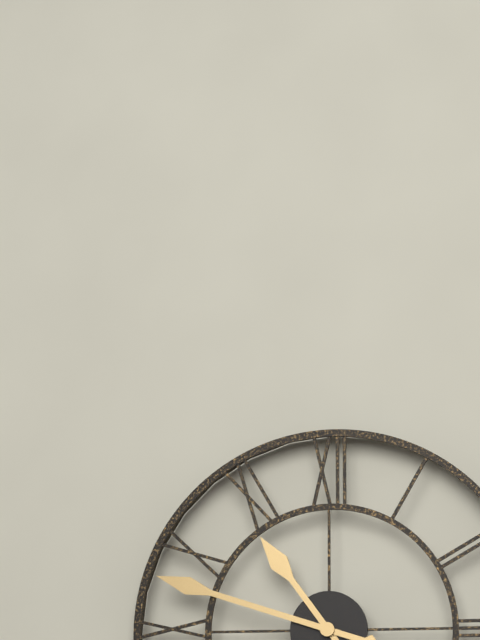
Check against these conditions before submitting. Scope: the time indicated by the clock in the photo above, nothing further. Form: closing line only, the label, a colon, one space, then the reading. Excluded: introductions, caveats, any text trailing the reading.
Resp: 10:48
